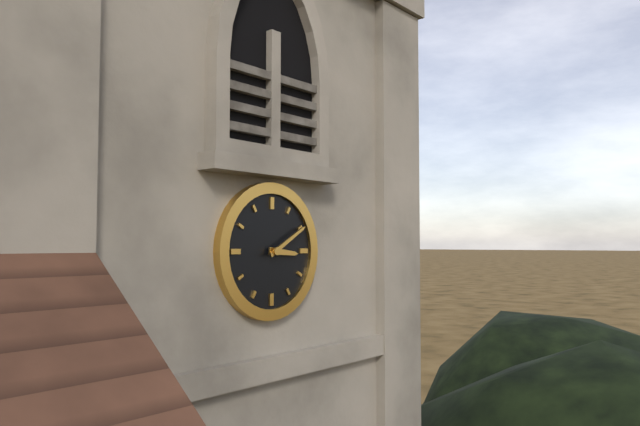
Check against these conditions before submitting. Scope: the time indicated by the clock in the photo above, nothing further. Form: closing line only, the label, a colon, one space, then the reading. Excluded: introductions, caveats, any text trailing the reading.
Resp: 3:10
